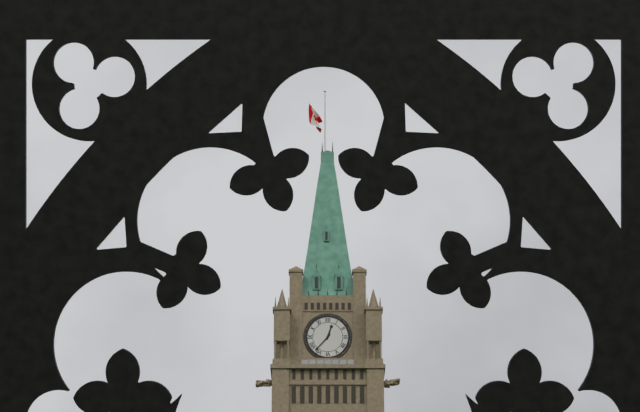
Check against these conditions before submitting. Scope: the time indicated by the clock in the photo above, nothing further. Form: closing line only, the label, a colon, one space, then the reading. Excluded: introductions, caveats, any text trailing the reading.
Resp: 12:37
